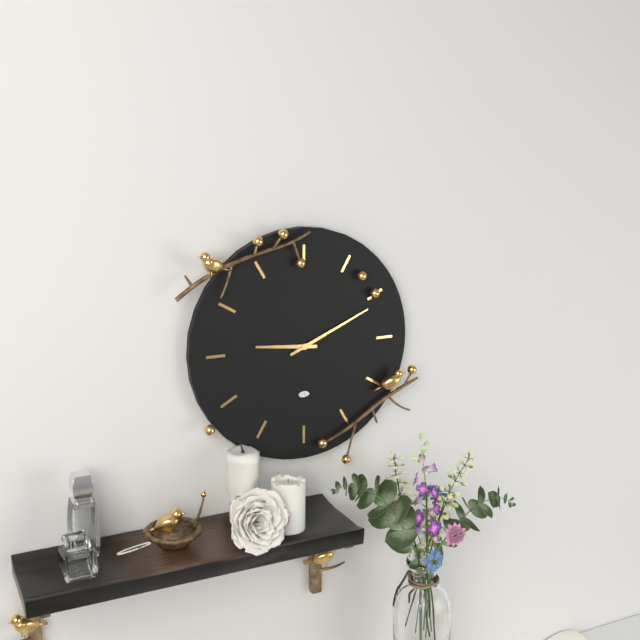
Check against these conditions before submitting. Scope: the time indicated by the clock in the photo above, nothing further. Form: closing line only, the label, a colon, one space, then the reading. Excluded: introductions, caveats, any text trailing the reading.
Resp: 9:11
